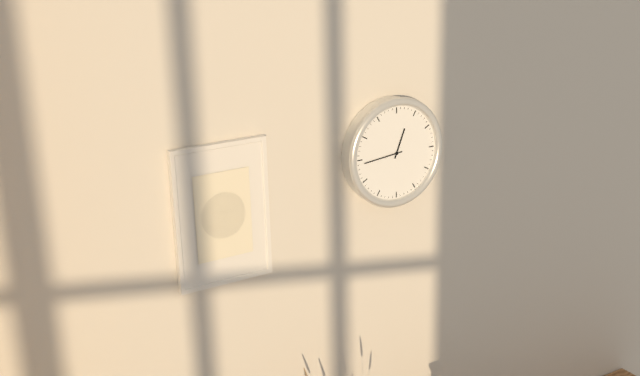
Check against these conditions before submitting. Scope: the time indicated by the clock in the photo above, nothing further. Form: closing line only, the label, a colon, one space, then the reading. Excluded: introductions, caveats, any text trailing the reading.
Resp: 12:44
